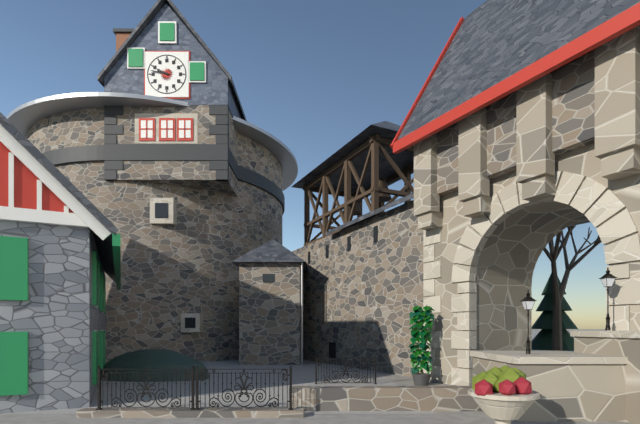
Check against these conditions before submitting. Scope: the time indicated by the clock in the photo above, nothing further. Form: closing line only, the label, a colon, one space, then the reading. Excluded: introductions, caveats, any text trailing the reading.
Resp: 9:47
